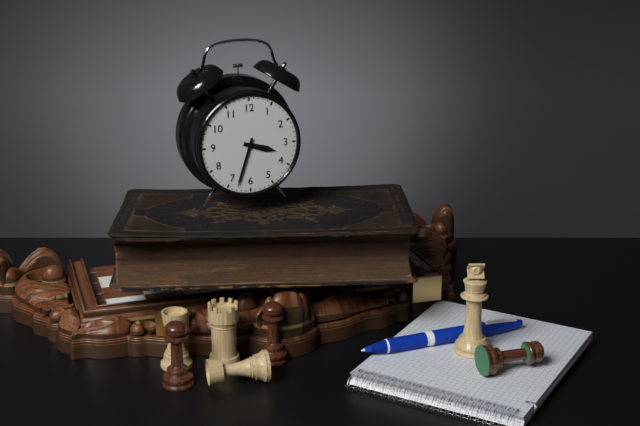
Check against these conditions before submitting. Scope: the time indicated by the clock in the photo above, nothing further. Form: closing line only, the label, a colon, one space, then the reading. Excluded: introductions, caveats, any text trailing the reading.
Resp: 3:33
